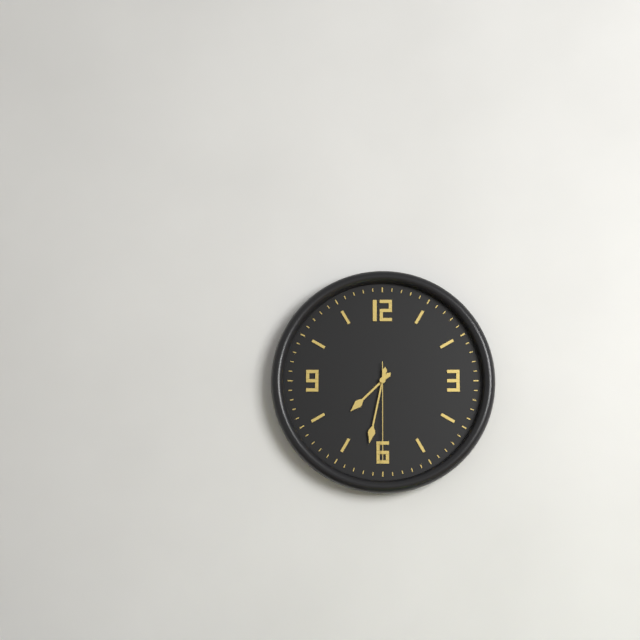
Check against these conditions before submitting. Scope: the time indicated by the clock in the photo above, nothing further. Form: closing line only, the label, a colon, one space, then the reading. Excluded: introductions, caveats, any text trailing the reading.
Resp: 7:32:30
